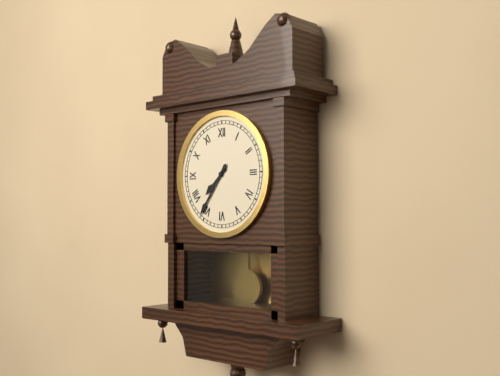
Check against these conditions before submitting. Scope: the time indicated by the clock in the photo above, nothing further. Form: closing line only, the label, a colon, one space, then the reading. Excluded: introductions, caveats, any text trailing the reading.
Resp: 7:36
